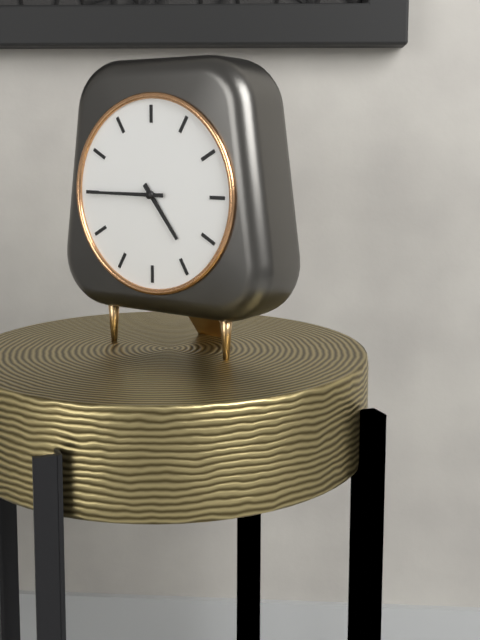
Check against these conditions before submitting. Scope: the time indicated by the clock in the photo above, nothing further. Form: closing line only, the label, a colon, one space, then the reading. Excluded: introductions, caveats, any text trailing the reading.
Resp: 4:45
